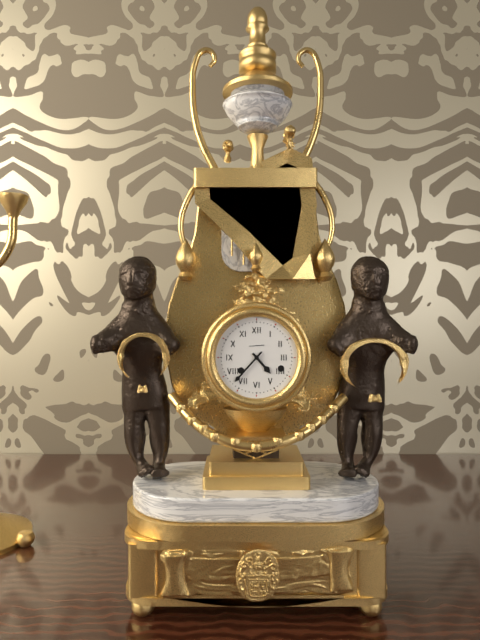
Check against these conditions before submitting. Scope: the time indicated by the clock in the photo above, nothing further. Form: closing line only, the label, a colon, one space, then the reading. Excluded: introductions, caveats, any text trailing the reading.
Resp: 4:37
